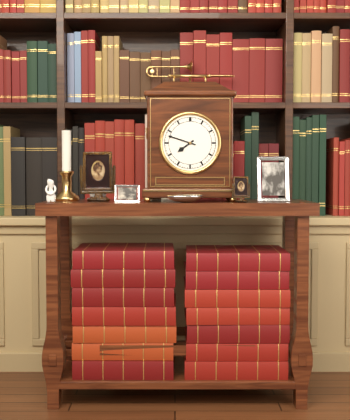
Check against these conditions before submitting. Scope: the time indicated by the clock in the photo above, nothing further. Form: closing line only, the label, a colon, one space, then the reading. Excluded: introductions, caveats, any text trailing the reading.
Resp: 7:48
